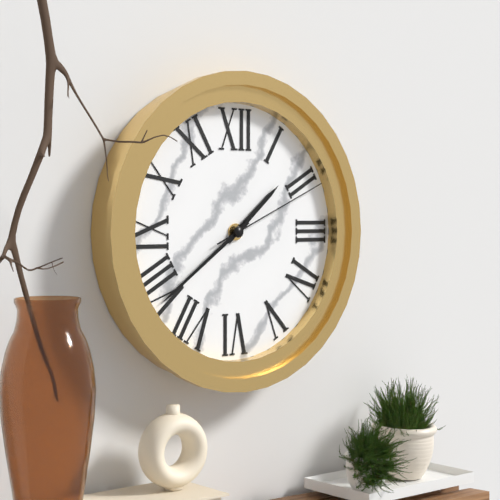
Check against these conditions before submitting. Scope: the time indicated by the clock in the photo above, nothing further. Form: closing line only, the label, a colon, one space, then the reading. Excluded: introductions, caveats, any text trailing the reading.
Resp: 1:39:11
